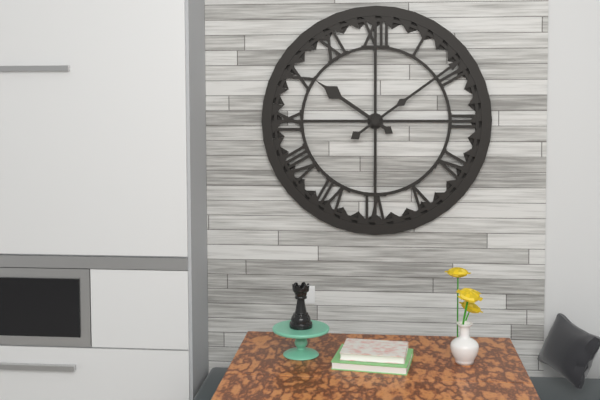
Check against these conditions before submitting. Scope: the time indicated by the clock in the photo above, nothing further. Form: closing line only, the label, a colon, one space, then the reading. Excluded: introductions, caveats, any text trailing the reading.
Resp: 10:09
